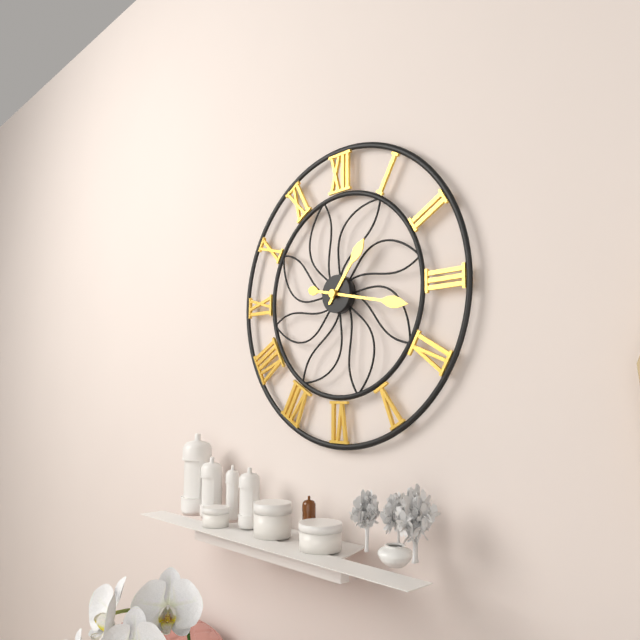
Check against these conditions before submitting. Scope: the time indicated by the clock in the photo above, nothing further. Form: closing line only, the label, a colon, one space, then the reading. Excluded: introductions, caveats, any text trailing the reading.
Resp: 1:17
